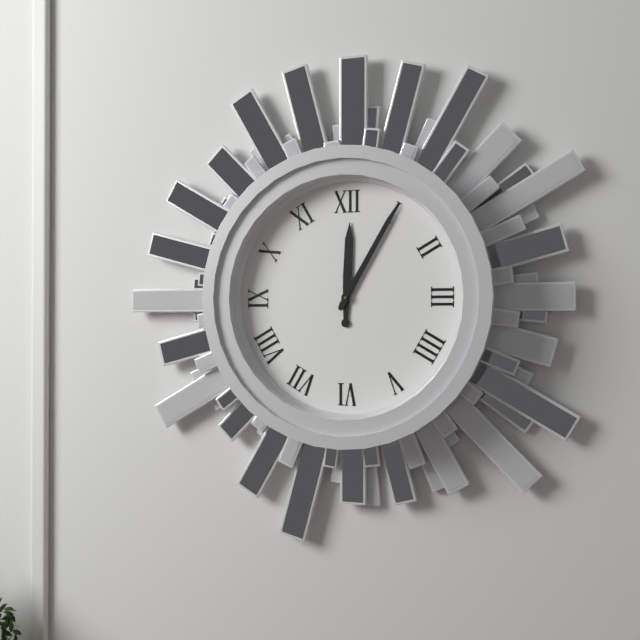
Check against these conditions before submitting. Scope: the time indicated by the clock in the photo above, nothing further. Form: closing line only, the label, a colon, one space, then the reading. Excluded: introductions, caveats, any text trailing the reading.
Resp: 12:05
